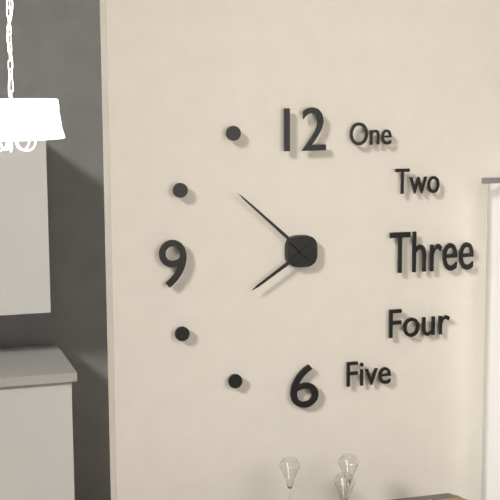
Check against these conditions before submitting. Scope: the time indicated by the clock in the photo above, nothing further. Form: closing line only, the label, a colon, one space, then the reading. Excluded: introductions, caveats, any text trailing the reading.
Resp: 7:52
